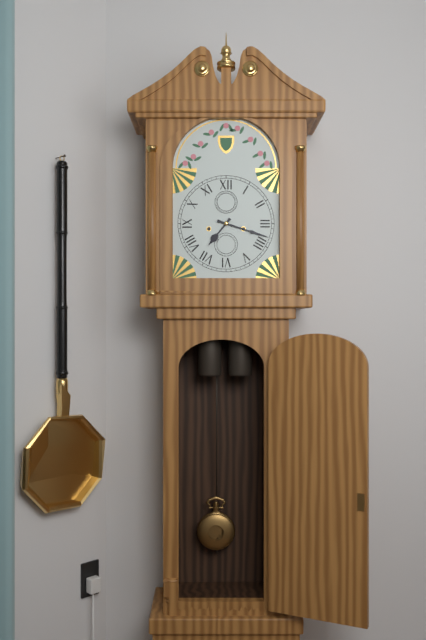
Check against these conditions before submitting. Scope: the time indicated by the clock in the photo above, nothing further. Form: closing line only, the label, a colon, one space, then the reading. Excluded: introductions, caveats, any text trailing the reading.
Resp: 7:18
